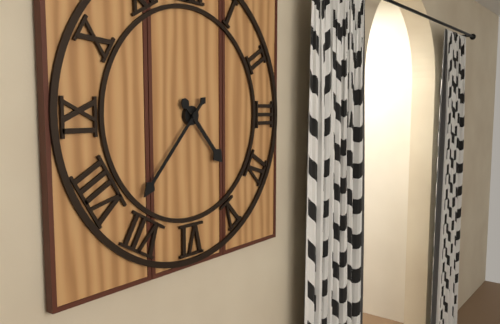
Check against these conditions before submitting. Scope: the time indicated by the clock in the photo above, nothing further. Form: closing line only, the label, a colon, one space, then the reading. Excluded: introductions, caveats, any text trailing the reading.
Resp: 4:37
